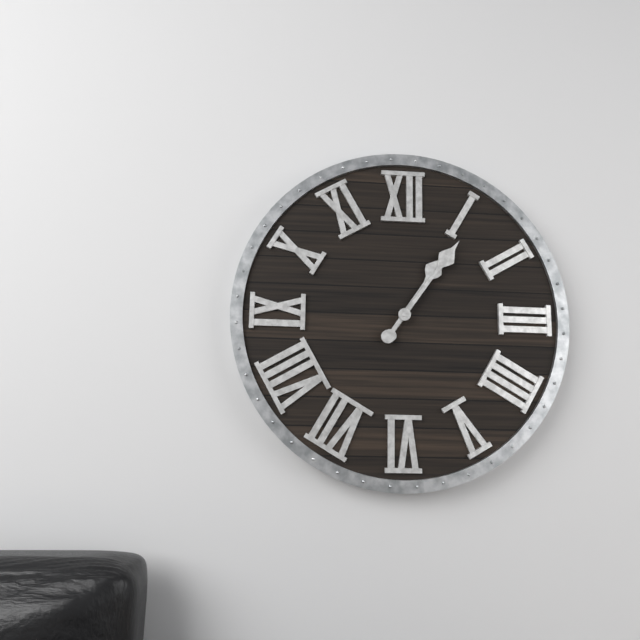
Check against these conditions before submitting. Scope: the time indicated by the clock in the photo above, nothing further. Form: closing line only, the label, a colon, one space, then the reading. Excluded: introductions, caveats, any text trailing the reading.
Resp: 1:06
